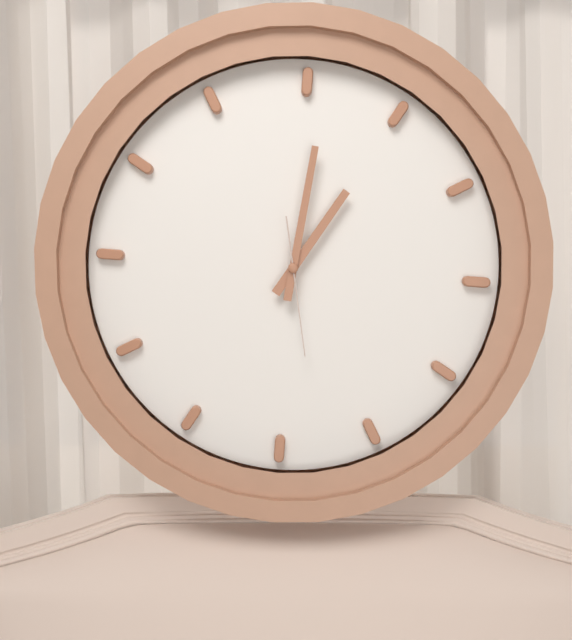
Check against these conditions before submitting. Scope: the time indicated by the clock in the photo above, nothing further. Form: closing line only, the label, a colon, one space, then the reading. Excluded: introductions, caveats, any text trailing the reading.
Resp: 1:01:28
